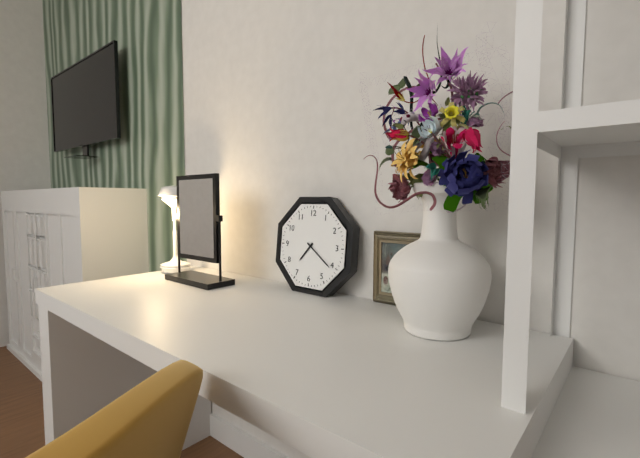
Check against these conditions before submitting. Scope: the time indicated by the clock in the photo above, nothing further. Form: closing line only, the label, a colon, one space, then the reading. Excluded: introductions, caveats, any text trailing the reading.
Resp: 7:21
